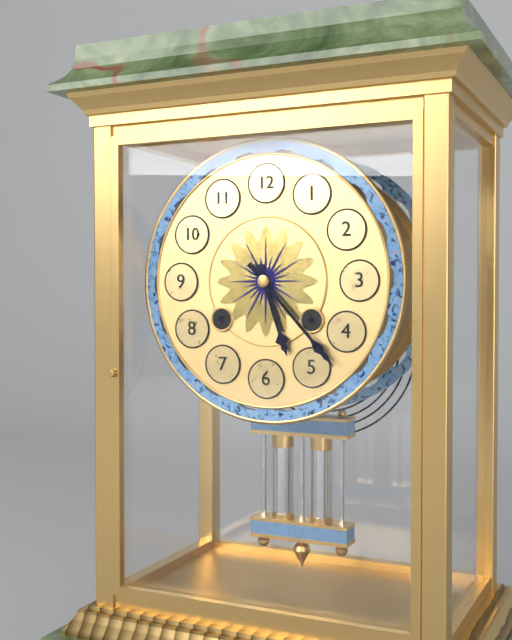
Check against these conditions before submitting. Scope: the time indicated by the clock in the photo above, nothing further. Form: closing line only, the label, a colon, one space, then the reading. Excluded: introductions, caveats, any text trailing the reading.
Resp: 5:23
